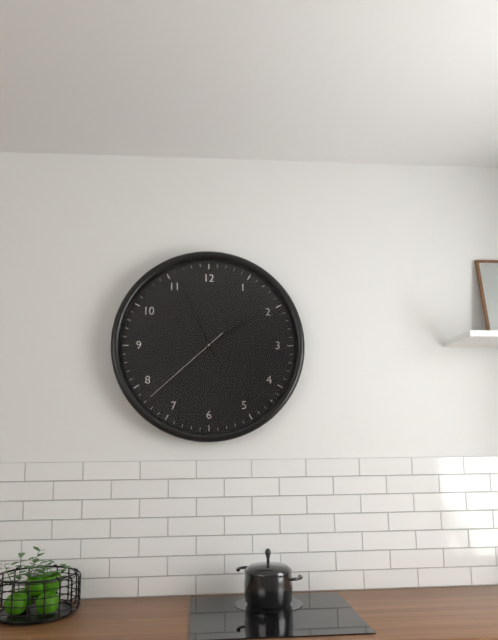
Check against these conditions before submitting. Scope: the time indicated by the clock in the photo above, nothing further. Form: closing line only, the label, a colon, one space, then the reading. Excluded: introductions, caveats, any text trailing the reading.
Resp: 1:56:38
